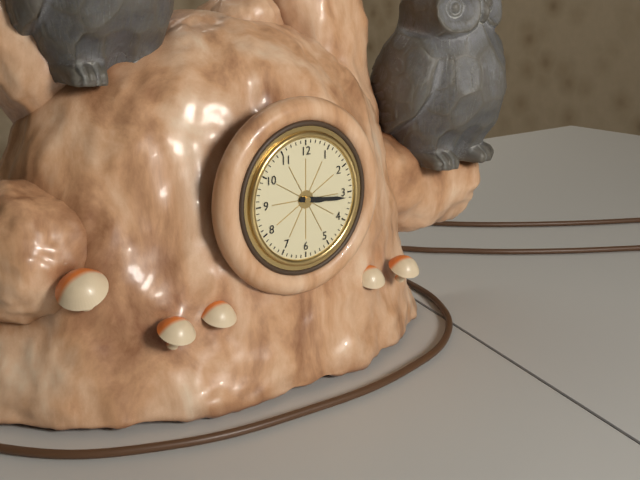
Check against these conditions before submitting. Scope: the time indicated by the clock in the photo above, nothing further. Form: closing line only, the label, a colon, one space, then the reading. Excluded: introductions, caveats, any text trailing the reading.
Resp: 3:16
